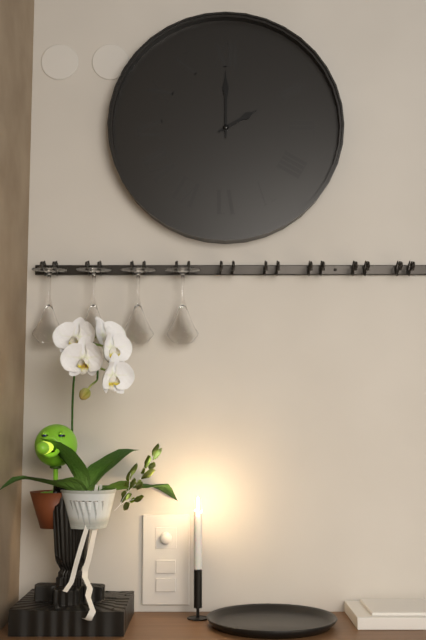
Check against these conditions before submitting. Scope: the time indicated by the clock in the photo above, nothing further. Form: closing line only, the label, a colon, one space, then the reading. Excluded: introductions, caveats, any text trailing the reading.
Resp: 2:00
